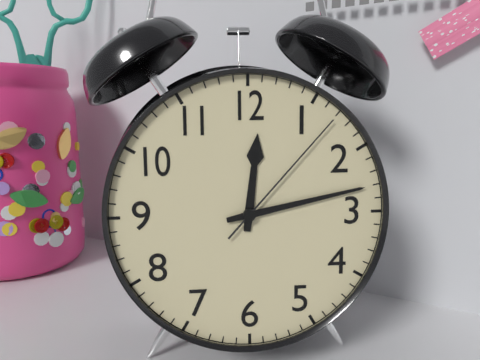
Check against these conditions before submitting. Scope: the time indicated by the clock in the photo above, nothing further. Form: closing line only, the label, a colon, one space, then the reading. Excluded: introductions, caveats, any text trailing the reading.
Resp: 12:13:07
